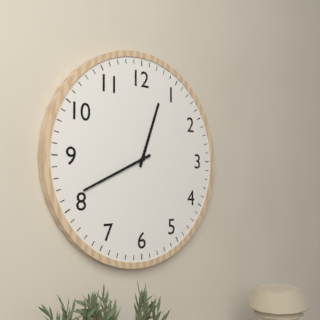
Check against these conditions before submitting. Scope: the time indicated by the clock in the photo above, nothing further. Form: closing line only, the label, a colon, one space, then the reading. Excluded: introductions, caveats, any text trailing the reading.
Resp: 12:41
